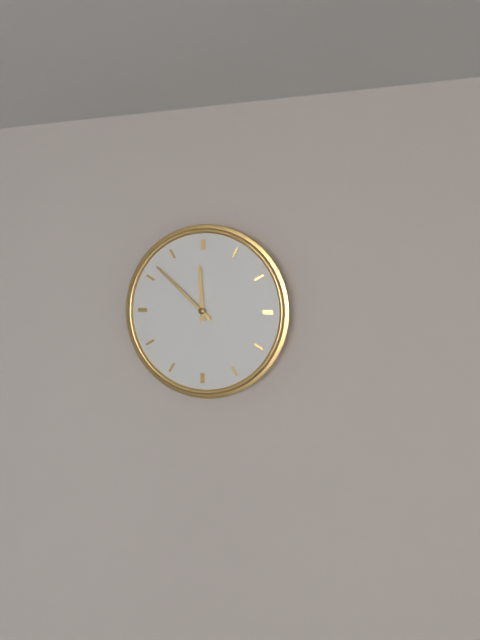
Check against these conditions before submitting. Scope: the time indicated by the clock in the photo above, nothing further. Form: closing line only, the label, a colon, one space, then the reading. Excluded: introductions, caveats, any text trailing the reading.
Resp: 11:52
